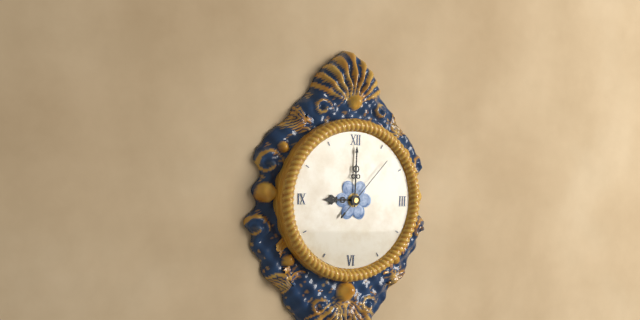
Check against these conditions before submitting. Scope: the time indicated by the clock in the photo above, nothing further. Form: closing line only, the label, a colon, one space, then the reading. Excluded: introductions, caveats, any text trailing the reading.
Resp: 9:00:07
